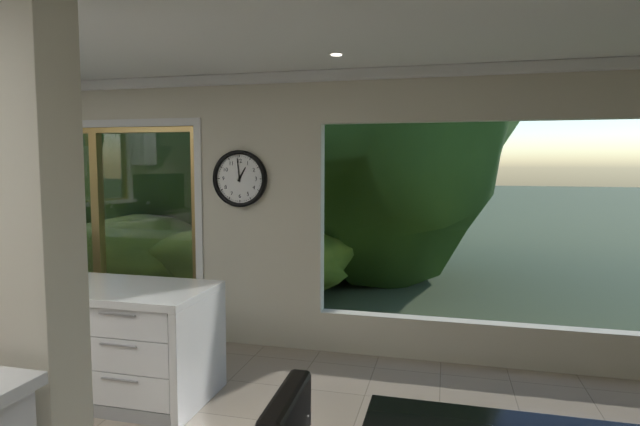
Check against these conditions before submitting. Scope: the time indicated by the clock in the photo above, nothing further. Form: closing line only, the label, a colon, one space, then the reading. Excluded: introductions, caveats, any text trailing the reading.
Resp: 12:59
